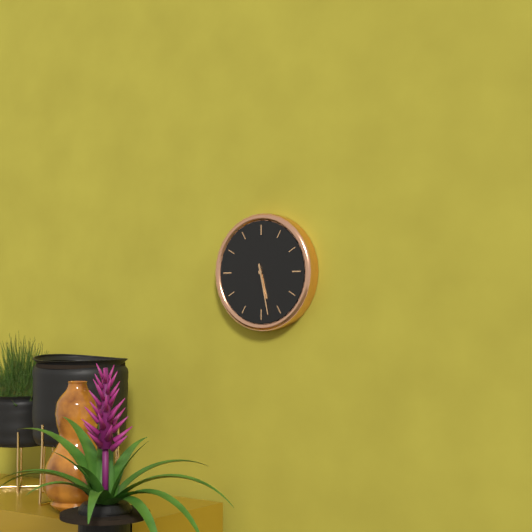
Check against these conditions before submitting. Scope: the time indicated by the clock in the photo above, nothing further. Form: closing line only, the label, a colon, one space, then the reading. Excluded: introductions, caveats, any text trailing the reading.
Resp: 5:28
